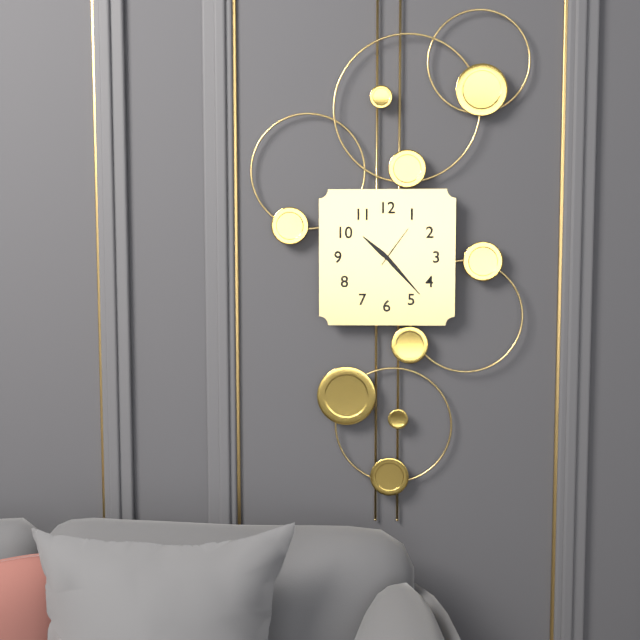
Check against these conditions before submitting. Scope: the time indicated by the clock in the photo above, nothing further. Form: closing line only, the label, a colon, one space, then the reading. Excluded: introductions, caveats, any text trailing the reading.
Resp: 10:23
